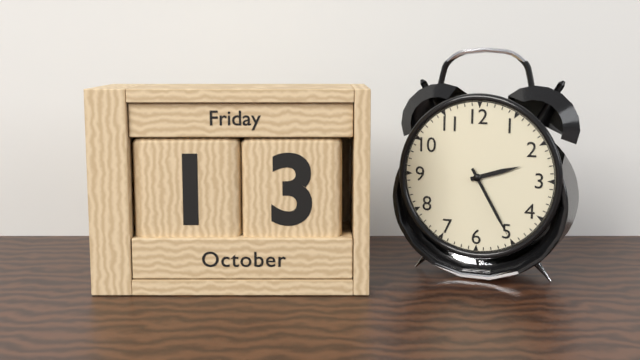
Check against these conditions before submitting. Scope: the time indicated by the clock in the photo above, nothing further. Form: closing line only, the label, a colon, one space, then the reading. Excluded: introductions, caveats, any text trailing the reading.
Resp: 2:25
